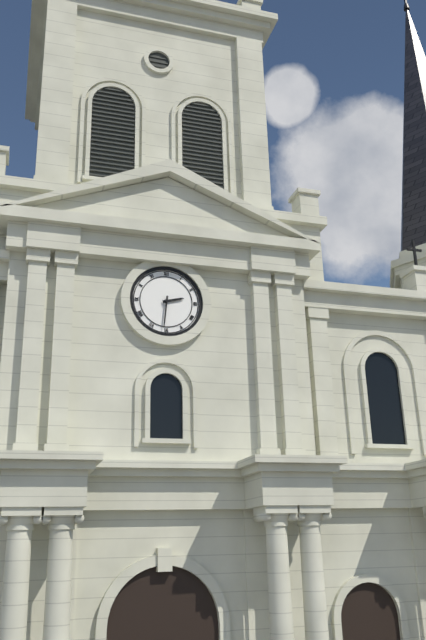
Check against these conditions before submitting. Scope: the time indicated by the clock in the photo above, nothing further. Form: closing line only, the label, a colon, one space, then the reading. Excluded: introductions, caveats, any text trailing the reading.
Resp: 2:31
